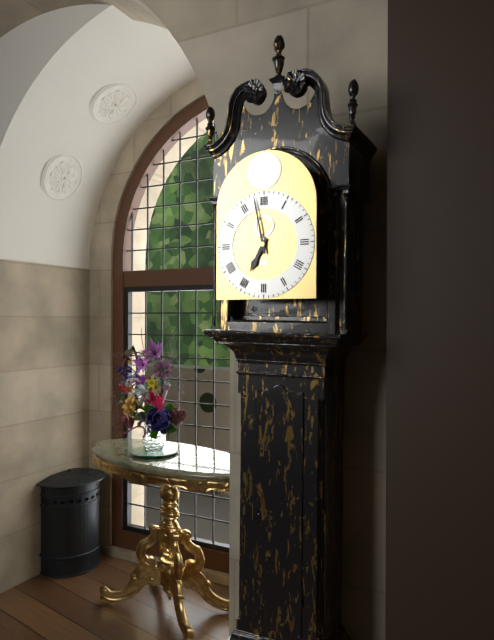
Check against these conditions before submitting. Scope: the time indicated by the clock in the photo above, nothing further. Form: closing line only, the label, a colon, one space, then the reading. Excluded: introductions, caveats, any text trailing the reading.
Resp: 6:58
